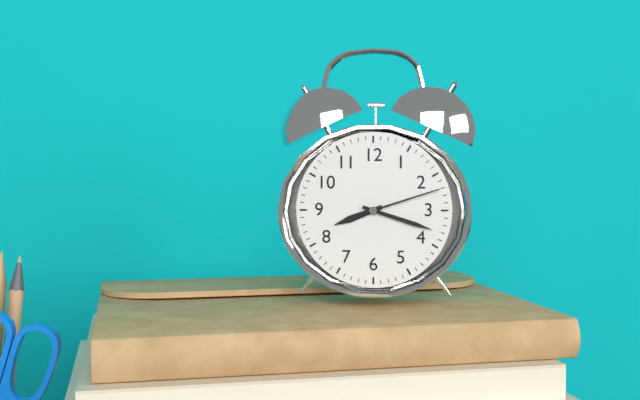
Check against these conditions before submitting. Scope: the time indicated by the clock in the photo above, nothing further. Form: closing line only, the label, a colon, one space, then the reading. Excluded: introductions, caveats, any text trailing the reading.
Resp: 8:18:12
